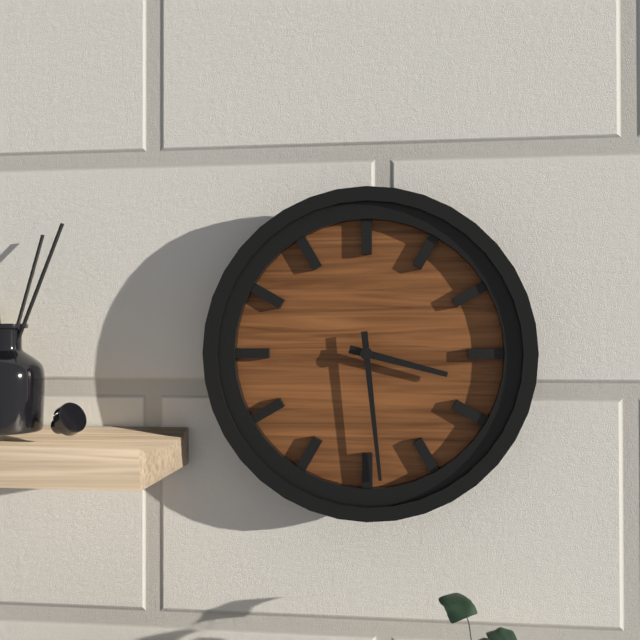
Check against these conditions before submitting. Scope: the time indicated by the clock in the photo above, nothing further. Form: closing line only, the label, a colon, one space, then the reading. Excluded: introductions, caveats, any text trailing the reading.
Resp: 3:29
